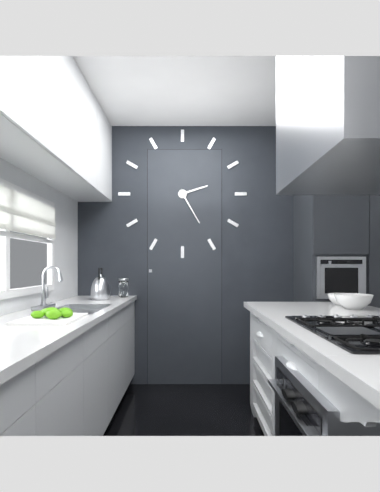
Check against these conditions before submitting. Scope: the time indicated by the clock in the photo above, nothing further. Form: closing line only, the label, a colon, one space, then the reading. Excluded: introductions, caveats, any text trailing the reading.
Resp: 2:25
